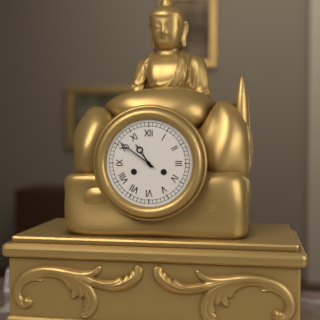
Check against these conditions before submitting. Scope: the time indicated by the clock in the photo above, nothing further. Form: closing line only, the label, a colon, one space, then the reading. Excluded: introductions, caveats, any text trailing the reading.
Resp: 10:51
